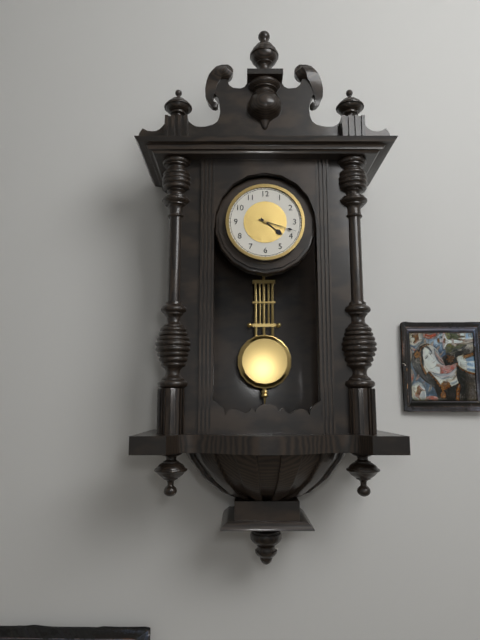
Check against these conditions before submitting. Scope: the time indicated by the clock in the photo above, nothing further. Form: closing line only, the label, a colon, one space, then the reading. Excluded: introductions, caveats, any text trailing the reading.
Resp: 4:18
